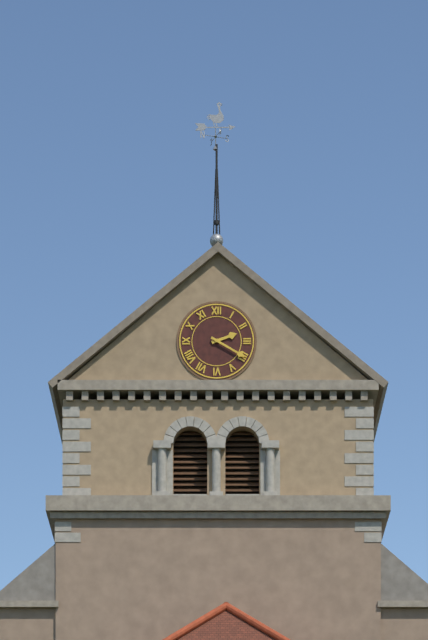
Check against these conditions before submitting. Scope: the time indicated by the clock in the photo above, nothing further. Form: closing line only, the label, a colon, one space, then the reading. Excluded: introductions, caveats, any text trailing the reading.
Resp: 2:20
